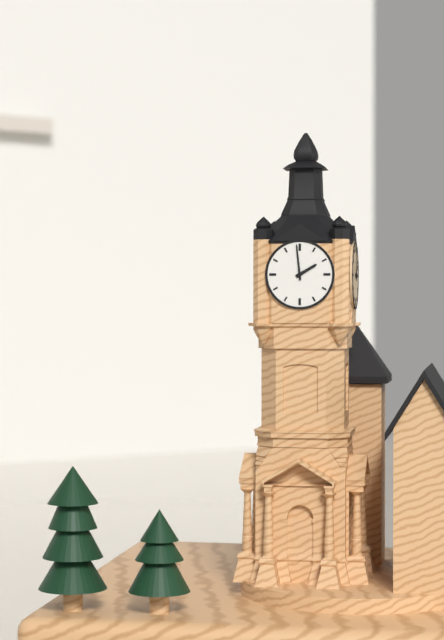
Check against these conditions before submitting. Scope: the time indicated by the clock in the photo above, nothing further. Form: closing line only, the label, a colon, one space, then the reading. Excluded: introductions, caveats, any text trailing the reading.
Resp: 1:59
